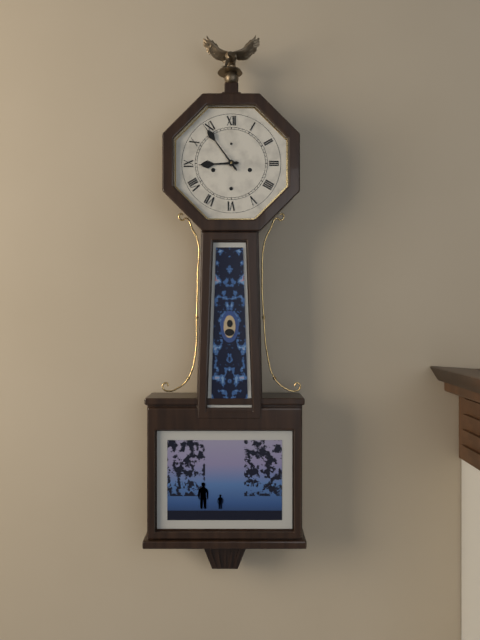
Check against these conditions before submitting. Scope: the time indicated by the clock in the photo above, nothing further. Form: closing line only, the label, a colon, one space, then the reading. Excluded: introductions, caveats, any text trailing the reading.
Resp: 8:54
